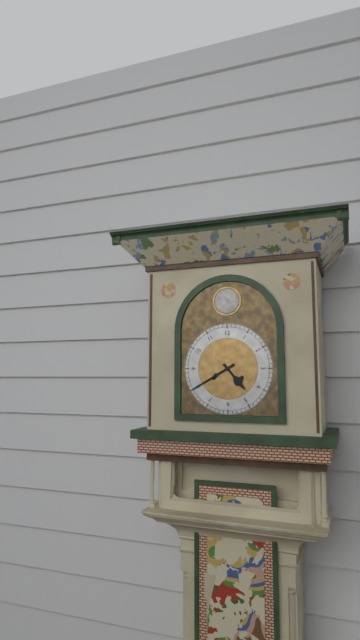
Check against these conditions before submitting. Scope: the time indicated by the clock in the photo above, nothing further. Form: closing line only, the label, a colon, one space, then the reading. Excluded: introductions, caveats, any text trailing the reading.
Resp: 4:40
